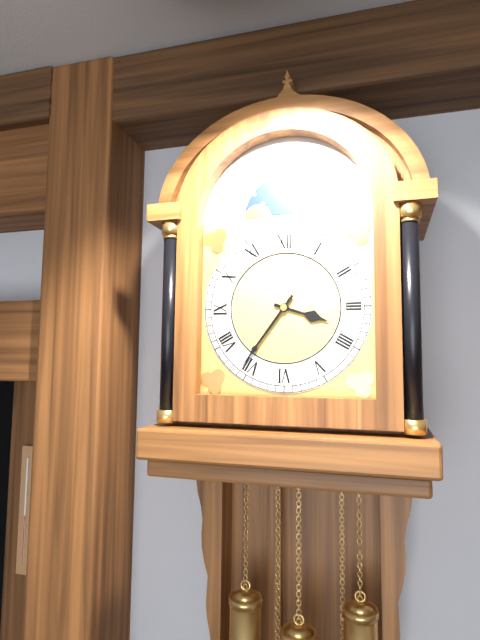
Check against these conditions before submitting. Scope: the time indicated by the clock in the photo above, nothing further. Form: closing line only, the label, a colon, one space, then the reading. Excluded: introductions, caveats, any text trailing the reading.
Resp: 3:36
